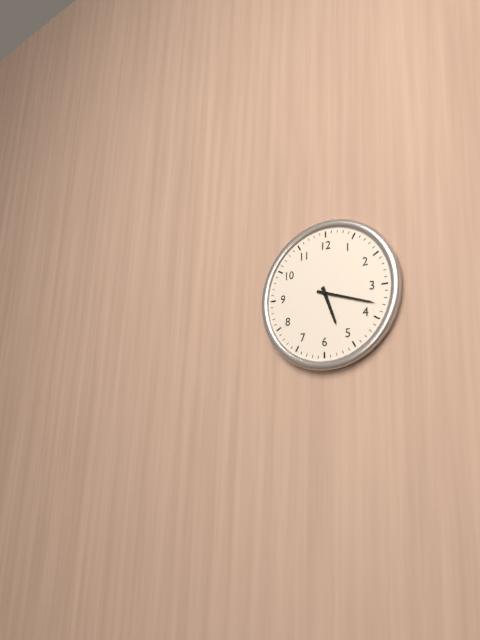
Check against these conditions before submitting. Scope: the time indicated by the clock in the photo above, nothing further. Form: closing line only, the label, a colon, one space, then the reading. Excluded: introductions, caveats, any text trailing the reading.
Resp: 5:18
